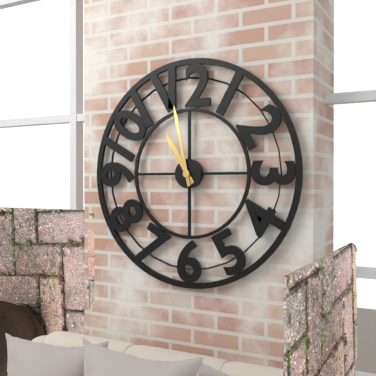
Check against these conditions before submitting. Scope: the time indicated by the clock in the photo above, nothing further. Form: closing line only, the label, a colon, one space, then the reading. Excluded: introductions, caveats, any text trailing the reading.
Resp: 10:58
